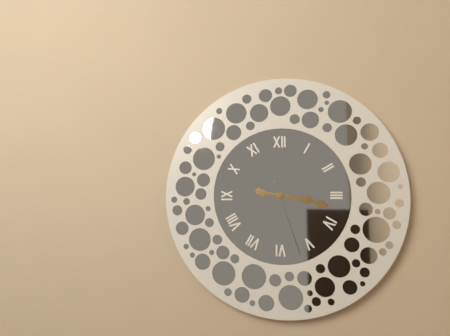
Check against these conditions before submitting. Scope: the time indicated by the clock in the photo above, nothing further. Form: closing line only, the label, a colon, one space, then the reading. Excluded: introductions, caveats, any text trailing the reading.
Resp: 3:17:27
